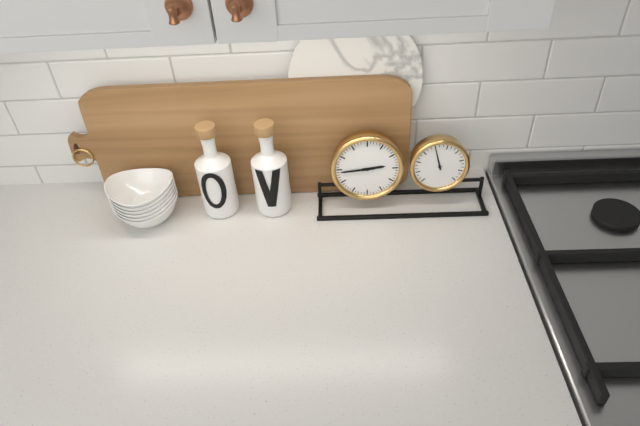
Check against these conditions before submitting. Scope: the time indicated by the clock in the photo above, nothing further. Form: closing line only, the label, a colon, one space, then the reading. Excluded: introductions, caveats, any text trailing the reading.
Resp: 2:44
